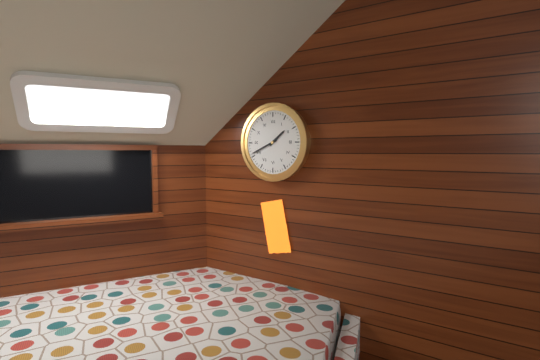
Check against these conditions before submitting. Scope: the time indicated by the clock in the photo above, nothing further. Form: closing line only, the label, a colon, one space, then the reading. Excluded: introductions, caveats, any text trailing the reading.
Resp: 1:41
